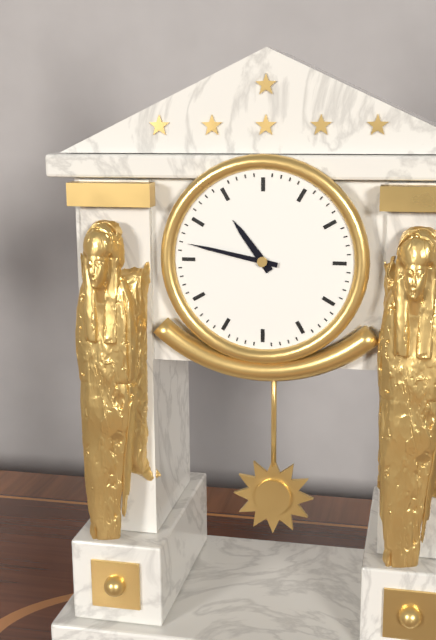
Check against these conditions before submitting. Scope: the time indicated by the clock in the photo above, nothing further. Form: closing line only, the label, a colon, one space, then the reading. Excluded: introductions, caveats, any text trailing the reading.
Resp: 10:47
